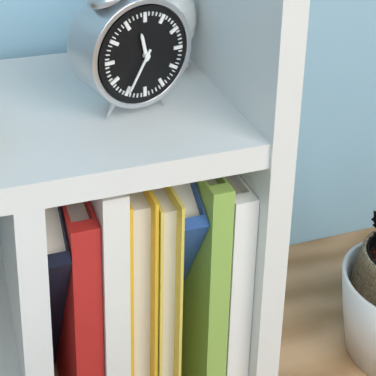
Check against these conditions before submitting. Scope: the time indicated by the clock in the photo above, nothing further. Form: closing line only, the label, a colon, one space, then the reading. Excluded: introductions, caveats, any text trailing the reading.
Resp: 11:35
